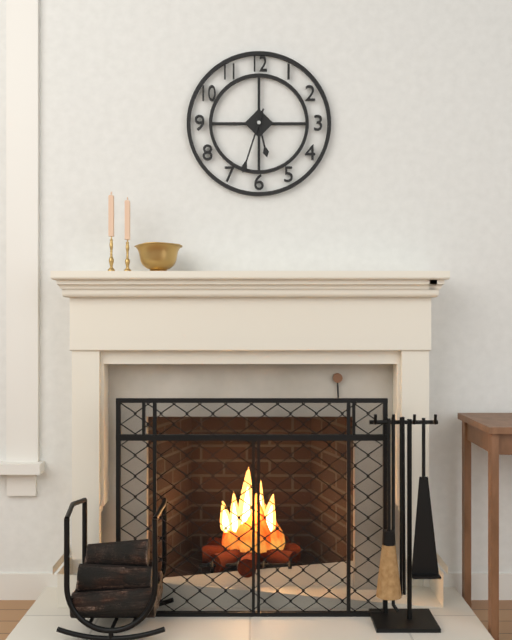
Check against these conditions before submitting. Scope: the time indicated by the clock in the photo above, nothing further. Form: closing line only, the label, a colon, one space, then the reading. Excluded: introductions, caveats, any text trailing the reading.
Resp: 5:33
